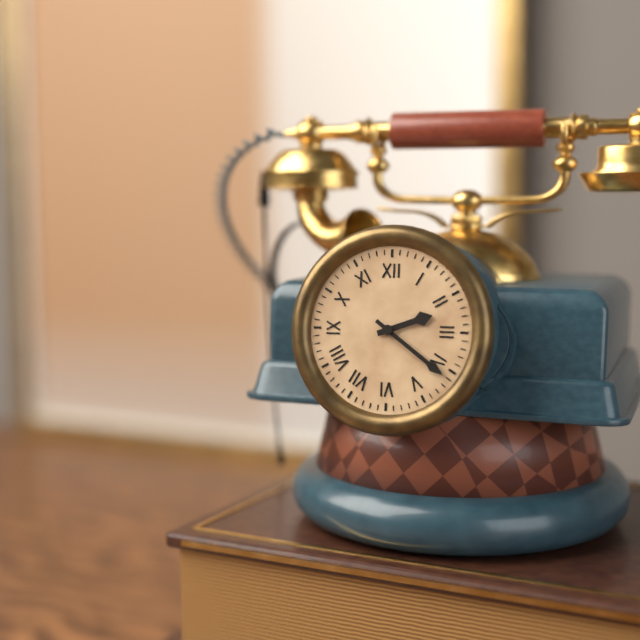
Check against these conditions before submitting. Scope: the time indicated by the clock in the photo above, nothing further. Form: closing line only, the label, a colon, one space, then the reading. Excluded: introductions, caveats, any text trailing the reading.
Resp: 2:21
